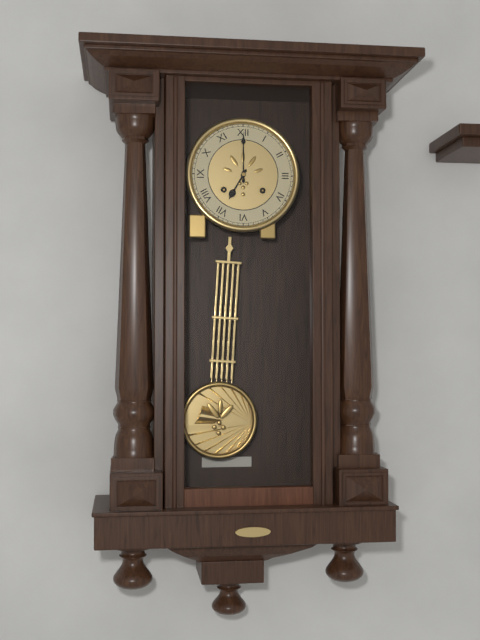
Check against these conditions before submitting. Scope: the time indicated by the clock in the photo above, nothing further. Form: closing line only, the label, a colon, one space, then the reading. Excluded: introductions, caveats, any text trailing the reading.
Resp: 7:00
